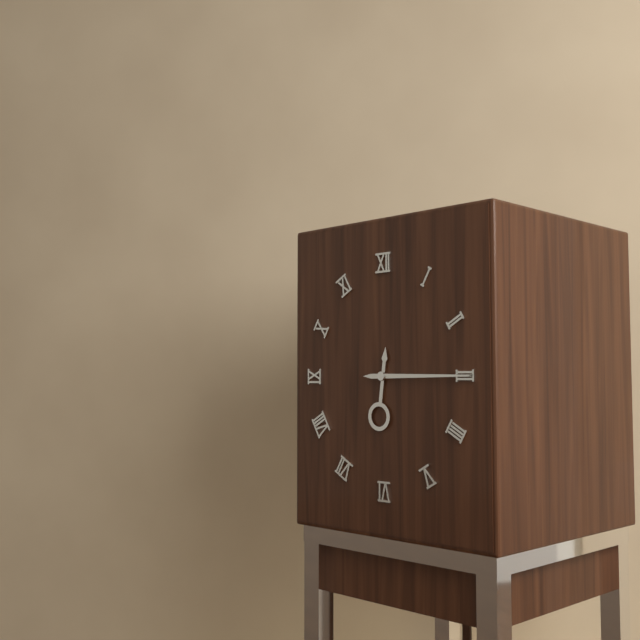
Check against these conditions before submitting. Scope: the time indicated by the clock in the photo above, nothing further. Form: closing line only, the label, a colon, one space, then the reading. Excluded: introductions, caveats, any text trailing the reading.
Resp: 6:15
